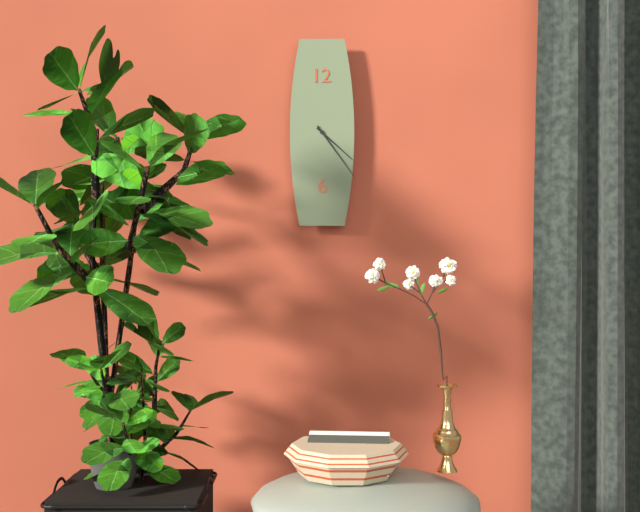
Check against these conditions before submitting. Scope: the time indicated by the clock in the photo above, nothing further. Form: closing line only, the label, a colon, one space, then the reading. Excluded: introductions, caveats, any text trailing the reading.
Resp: 4:24
